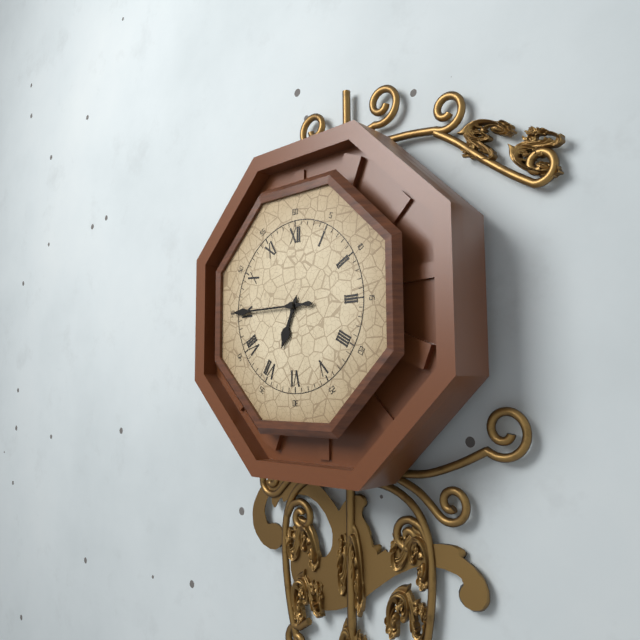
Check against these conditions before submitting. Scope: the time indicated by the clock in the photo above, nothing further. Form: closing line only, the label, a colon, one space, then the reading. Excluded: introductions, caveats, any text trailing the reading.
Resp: 6:45
